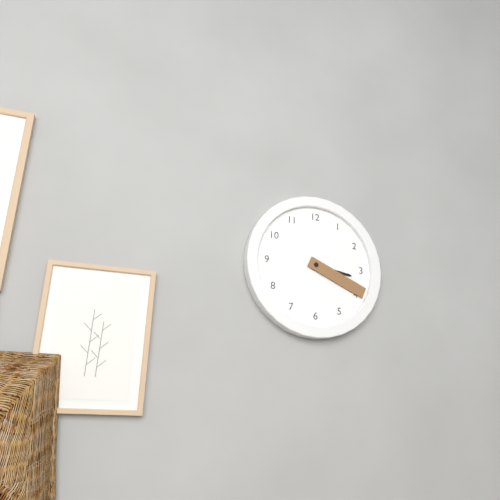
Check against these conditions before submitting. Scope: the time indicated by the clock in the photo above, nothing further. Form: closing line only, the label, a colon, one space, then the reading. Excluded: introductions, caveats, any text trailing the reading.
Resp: 3:19
